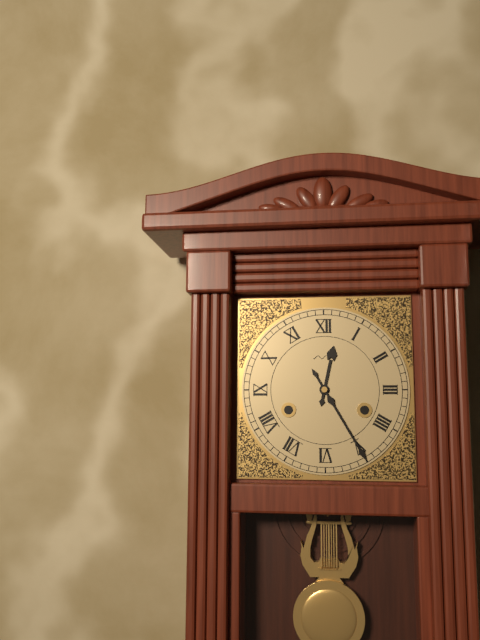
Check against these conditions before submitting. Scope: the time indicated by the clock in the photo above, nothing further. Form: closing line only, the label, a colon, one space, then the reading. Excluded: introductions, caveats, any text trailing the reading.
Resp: 12:25
